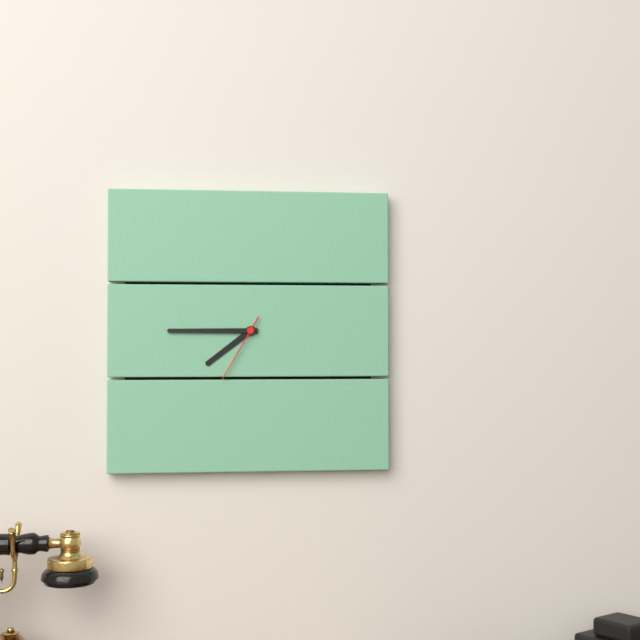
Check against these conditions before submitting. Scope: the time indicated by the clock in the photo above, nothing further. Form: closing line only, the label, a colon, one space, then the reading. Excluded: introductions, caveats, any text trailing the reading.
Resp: 7:45:35
